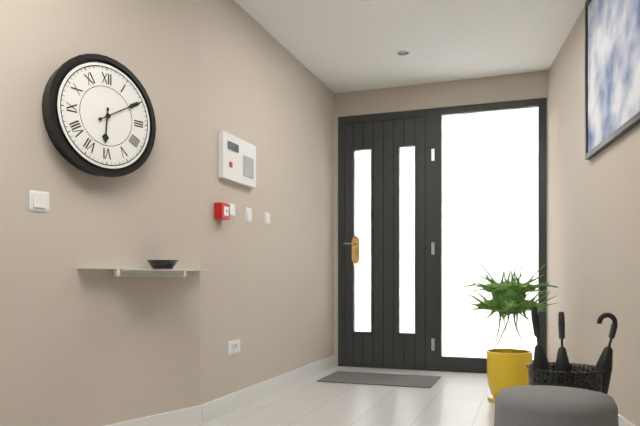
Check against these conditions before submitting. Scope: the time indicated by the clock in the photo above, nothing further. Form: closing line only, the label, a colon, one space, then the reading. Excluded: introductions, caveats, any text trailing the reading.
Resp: 6:10
